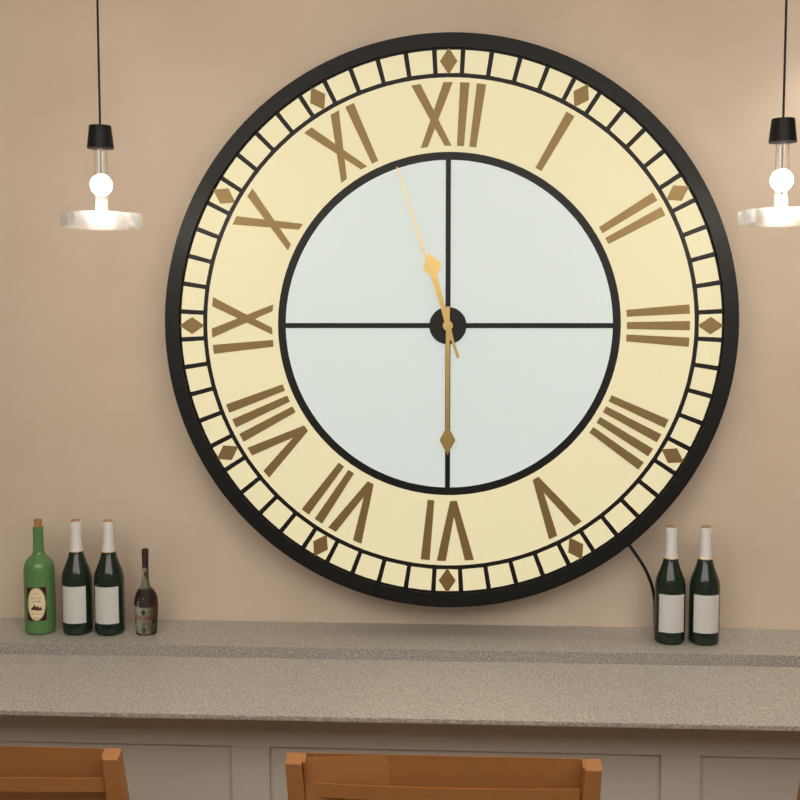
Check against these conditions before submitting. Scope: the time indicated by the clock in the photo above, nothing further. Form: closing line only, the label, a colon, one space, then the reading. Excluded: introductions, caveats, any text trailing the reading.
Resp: 11:30:57
